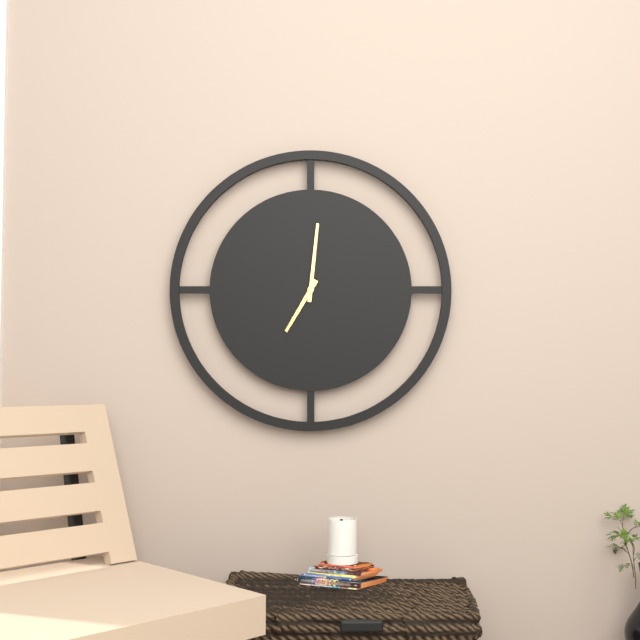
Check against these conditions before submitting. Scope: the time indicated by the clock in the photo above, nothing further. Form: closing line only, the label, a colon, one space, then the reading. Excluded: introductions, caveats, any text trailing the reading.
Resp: 7:01
